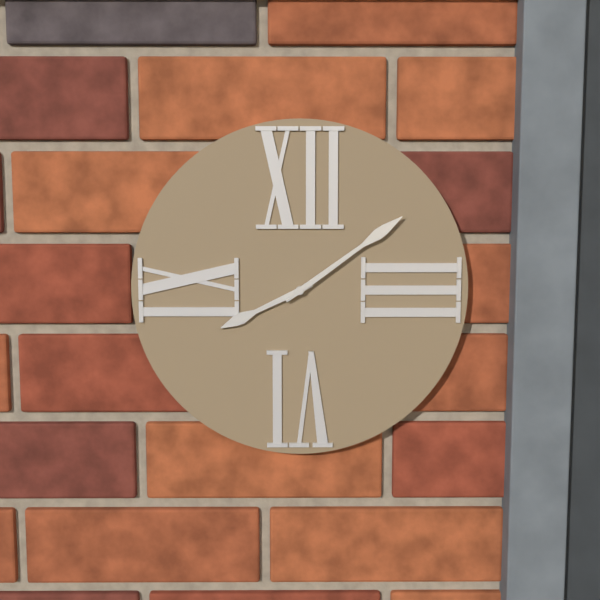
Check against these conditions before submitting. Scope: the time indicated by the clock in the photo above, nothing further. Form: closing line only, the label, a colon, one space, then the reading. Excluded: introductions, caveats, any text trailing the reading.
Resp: 8:09
